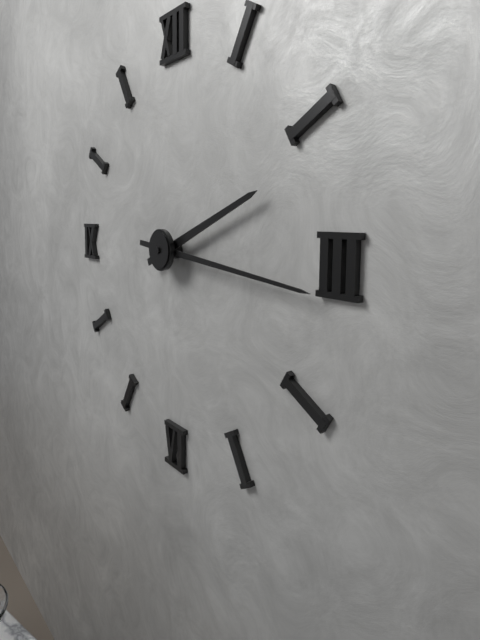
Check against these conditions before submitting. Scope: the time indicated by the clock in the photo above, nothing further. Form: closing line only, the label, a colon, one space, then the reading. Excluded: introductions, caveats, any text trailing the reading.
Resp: 2:16
